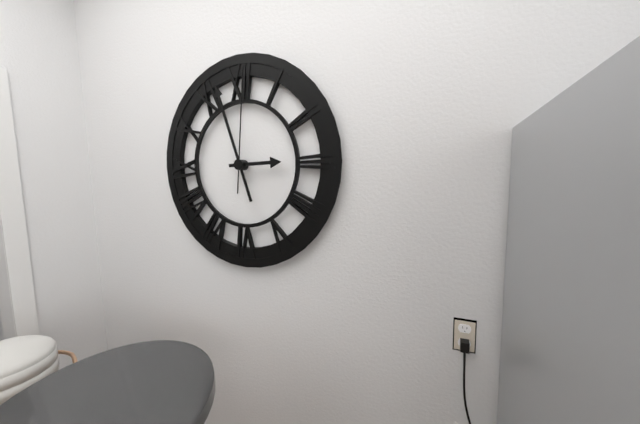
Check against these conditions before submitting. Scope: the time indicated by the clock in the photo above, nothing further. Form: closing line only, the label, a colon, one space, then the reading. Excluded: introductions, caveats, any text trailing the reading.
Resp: 2:57:01
